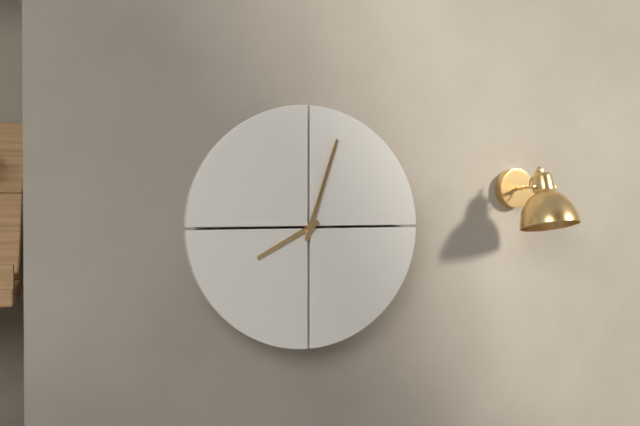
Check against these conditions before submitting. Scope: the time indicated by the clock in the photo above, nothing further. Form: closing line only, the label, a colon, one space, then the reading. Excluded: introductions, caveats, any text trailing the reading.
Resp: 8:03
